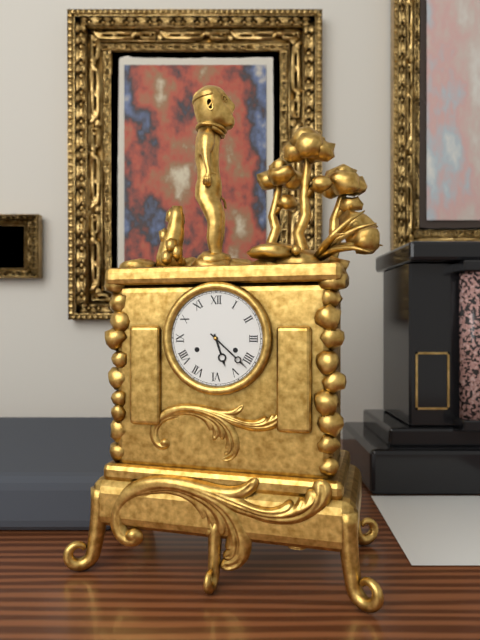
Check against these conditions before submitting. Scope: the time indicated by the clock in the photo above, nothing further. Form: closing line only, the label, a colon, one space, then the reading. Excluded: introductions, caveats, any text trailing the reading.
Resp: 5:22
